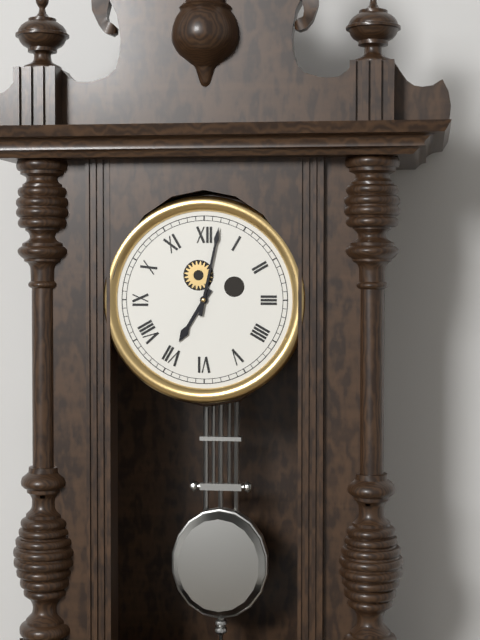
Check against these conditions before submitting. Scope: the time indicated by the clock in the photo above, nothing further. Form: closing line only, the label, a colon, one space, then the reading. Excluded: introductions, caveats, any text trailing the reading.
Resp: 7:02
